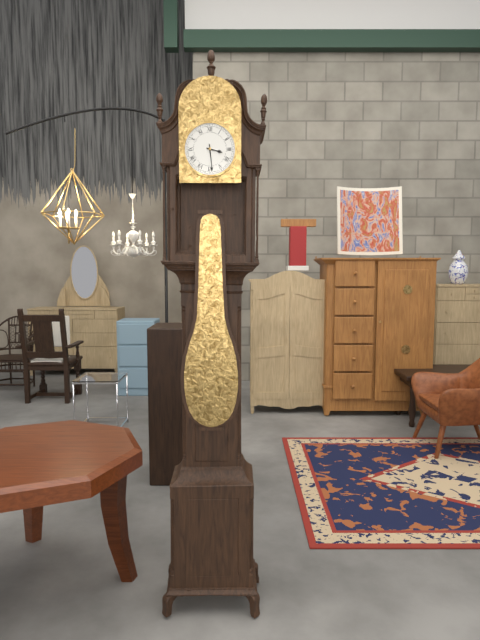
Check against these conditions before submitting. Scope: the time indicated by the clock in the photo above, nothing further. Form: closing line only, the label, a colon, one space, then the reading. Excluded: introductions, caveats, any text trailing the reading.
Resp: 3:29
